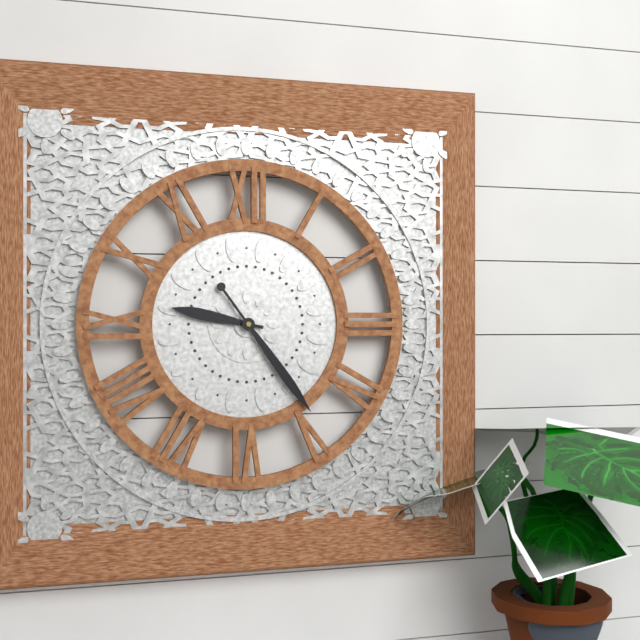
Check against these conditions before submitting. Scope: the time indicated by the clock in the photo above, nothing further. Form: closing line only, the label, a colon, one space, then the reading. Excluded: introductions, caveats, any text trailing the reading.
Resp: 9:24
